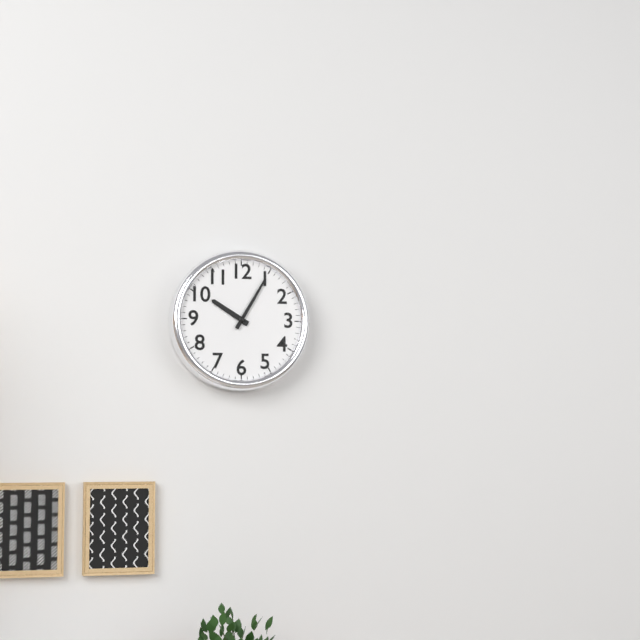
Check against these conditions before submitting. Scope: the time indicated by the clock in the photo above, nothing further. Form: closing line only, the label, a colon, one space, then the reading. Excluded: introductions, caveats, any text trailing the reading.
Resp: 10:05
